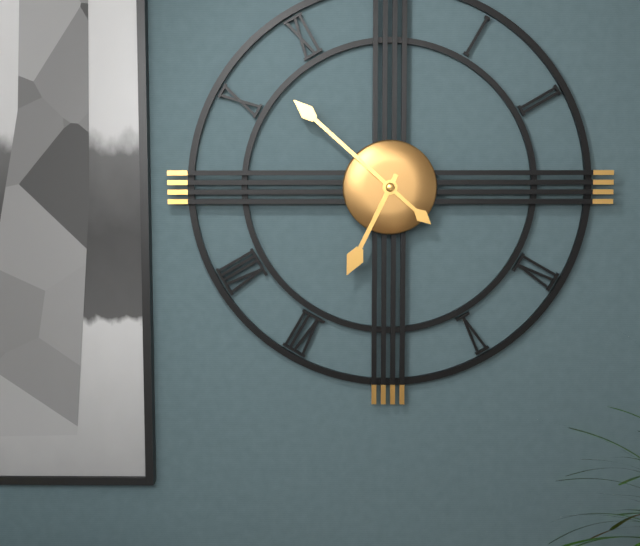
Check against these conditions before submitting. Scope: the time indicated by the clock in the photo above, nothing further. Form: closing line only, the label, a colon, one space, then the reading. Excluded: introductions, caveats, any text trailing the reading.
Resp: 6:52
